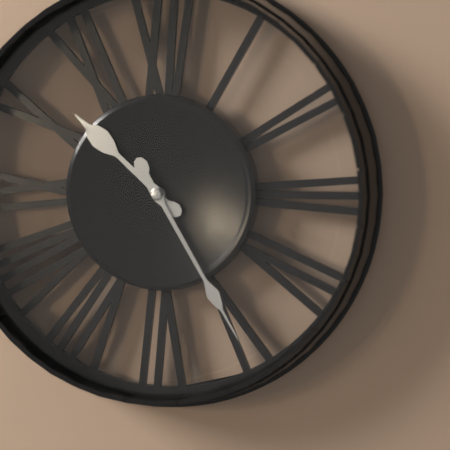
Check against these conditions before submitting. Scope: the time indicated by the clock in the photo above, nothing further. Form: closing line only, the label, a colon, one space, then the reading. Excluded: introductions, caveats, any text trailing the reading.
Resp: 10:25
